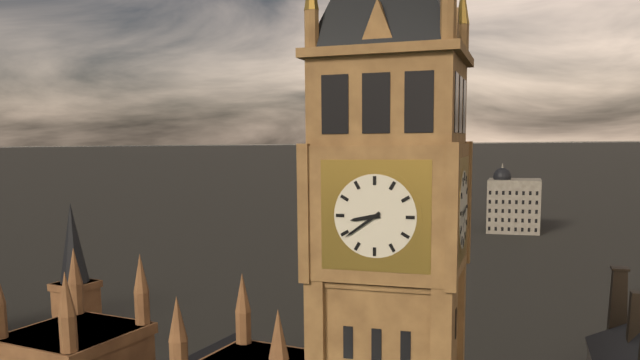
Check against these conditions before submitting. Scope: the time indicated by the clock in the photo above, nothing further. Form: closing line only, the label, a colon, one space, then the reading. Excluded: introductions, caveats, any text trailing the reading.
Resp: 8:39
